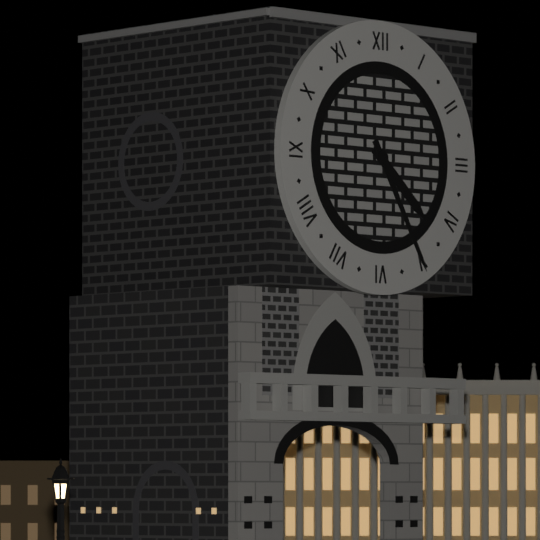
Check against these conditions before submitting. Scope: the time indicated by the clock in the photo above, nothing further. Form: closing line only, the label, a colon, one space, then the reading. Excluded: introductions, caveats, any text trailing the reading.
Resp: 4:25
